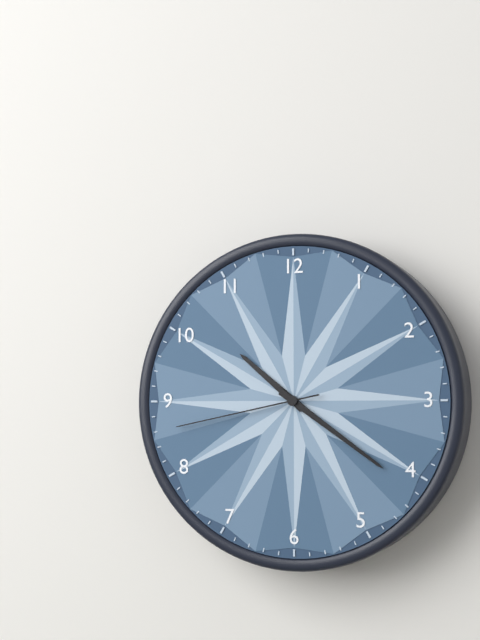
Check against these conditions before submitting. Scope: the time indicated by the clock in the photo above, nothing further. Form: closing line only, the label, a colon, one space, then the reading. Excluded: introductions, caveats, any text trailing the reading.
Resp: 10:21:43
